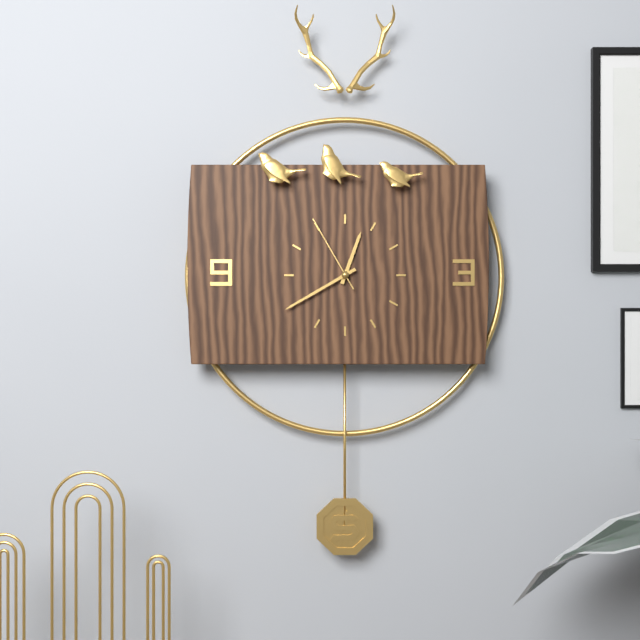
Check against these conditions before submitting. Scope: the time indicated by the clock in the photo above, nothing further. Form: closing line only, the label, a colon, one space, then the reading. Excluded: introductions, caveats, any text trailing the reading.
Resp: 12:40:55
